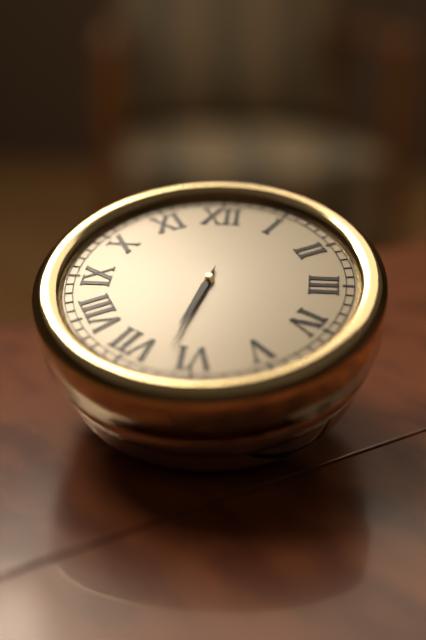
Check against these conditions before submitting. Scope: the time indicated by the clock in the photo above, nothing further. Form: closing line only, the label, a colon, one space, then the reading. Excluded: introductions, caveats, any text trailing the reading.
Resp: 6:32
